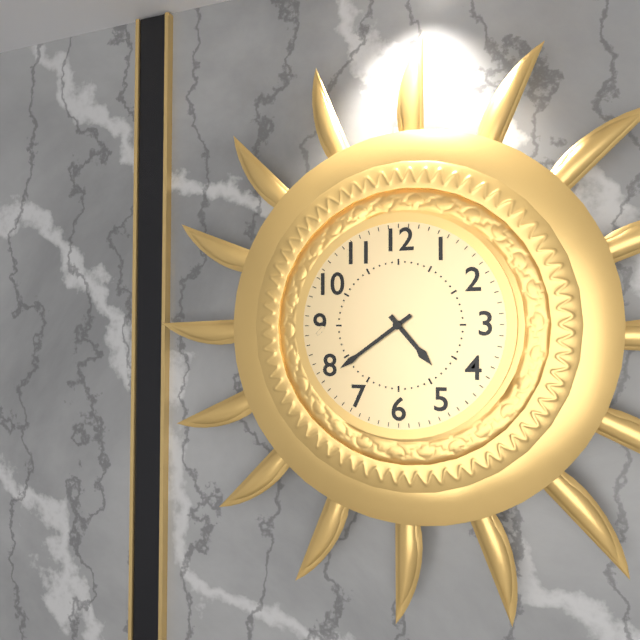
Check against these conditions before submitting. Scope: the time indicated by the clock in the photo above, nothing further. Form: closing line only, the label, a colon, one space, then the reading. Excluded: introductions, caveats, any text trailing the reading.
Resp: 4:39
